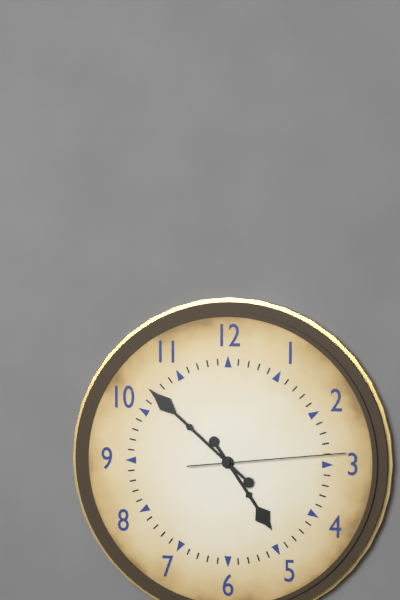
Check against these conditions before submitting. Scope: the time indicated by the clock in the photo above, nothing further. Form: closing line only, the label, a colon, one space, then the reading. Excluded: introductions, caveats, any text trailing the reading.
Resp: 4:52:14
